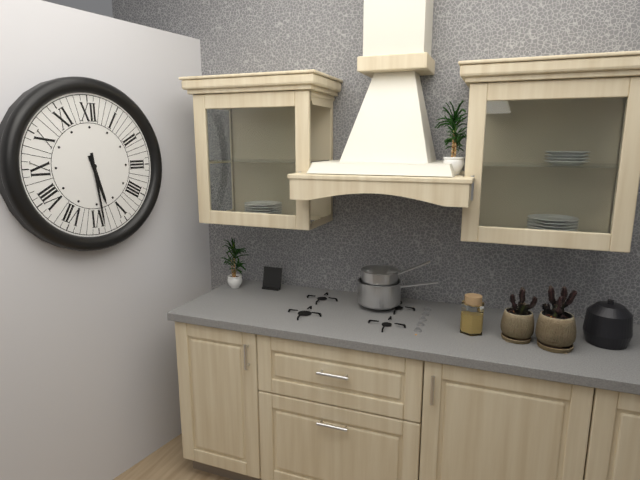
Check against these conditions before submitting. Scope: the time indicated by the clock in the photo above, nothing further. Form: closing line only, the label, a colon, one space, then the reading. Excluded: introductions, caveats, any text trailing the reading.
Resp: 5:29
